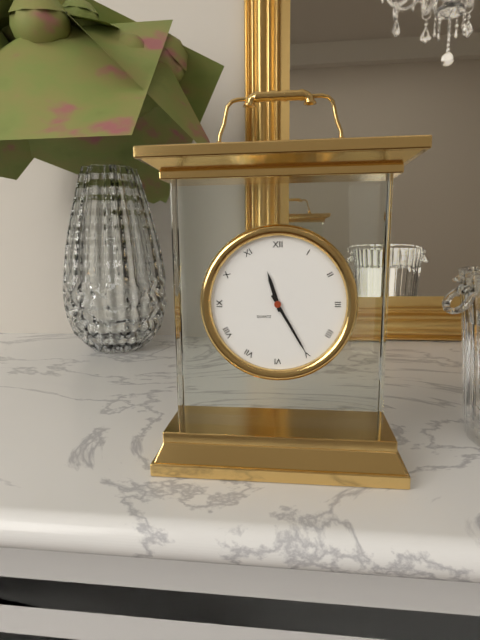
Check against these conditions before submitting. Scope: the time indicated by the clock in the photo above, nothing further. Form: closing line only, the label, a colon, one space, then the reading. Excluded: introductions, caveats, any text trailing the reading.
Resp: 11:25
